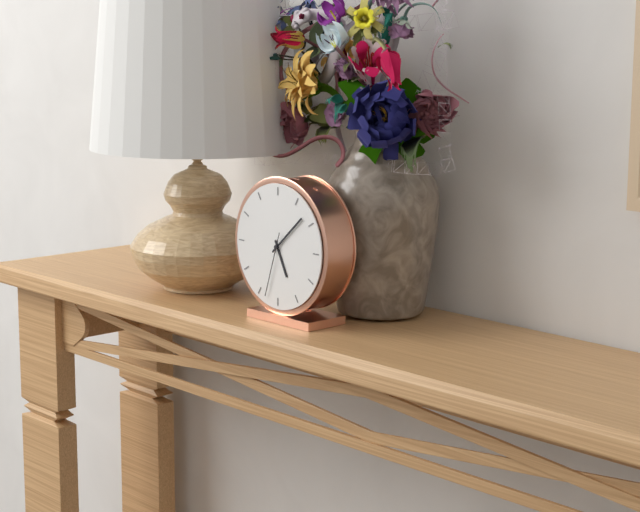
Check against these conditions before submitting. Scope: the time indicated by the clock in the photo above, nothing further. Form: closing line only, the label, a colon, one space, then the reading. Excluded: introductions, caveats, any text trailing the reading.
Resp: 5:08:33
